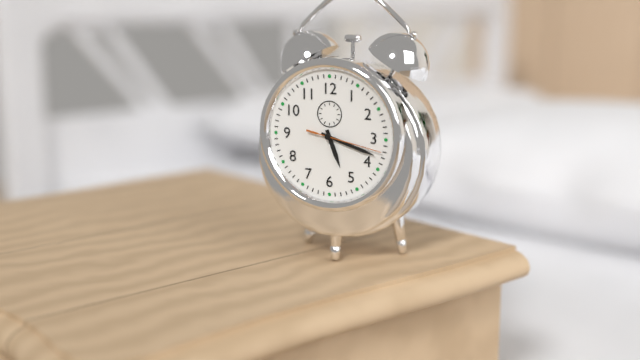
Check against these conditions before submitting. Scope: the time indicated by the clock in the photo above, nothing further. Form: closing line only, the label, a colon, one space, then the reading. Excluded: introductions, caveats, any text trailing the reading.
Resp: 5:18:17
